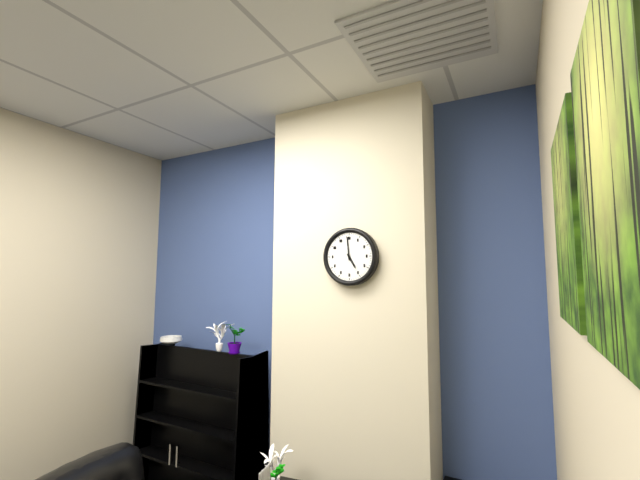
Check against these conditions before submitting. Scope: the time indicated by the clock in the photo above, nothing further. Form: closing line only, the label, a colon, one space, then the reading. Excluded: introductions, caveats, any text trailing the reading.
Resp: 4:59
